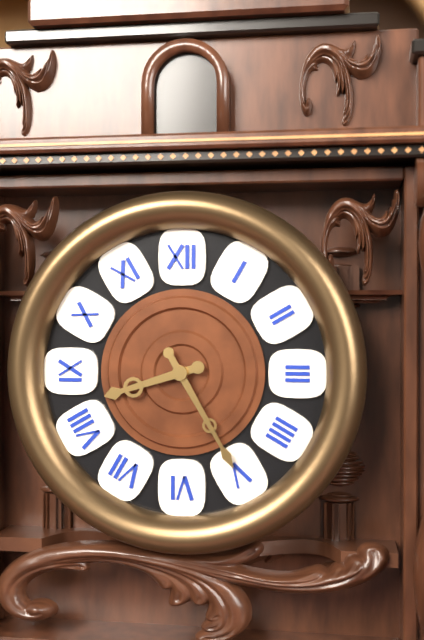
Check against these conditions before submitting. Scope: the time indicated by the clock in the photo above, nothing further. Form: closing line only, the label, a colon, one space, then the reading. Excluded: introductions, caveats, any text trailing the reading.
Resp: 8:25
